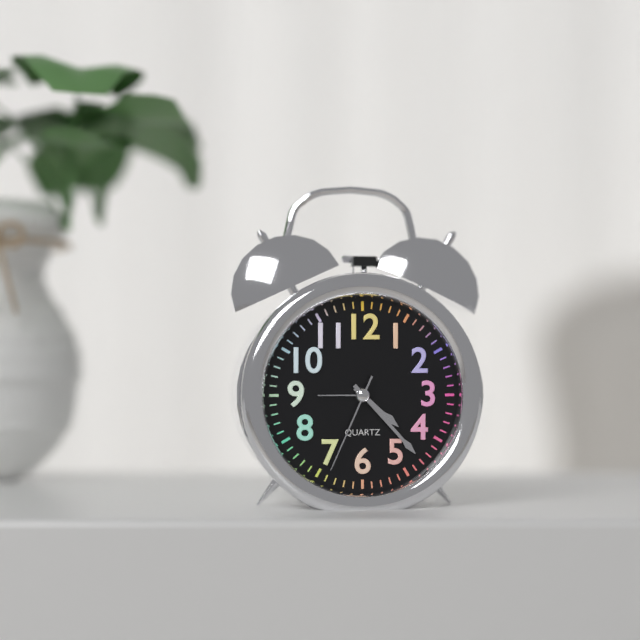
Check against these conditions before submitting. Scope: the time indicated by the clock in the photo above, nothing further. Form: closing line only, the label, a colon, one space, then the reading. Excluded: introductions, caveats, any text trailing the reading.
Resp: 4:23:34
